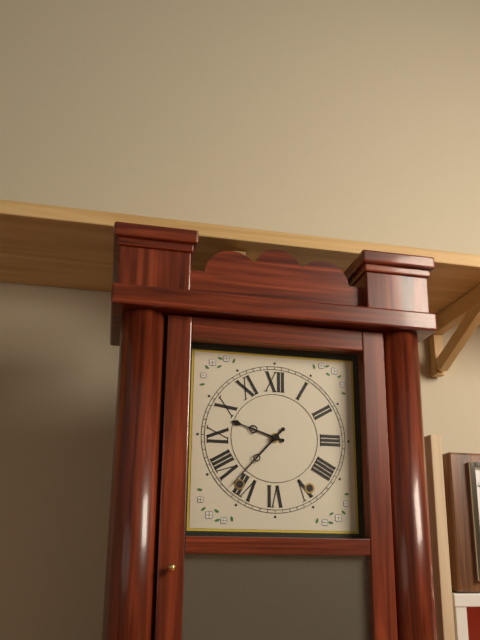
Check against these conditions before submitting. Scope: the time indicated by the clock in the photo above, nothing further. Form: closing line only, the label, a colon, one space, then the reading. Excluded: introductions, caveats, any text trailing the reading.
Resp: 9:37
